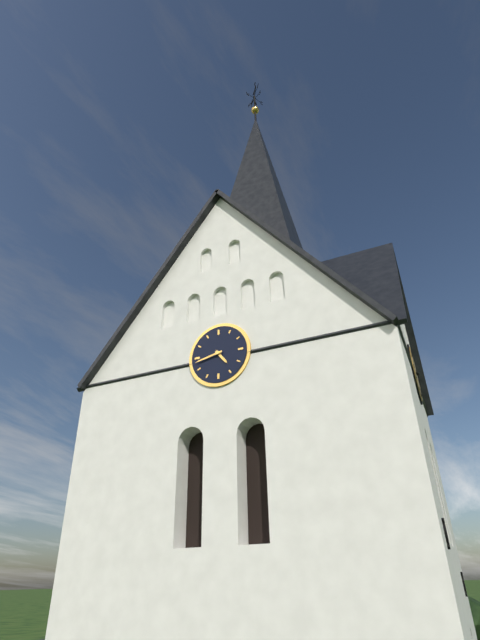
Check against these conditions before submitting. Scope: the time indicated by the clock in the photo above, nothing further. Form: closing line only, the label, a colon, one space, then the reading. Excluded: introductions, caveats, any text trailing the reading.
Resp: 4:43
